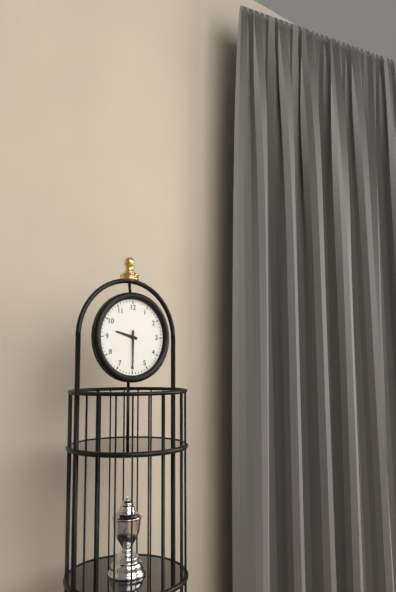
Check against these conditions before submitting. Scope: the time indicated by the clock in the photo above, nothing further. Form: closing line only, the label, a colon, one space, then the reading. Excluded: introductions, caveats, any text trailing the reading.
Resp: 9:30
